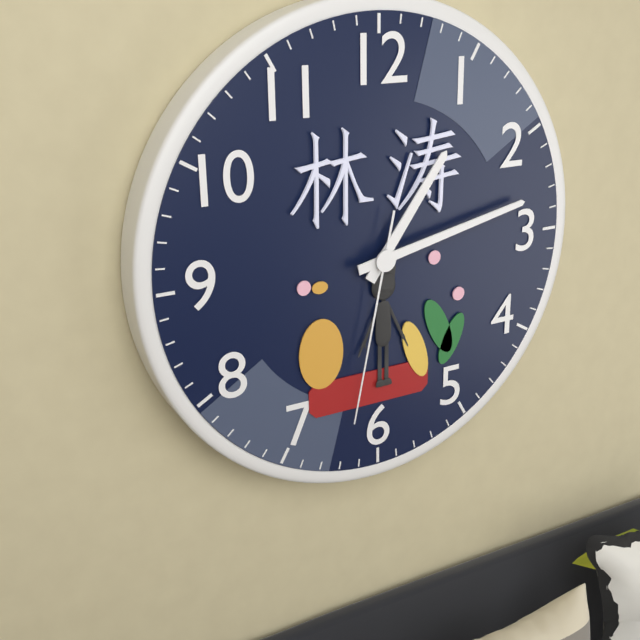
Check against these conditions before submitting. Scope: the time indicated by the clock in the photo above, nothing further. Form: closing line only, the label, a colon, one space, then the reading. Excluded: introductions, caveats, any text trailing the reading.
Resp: 1:13:32
